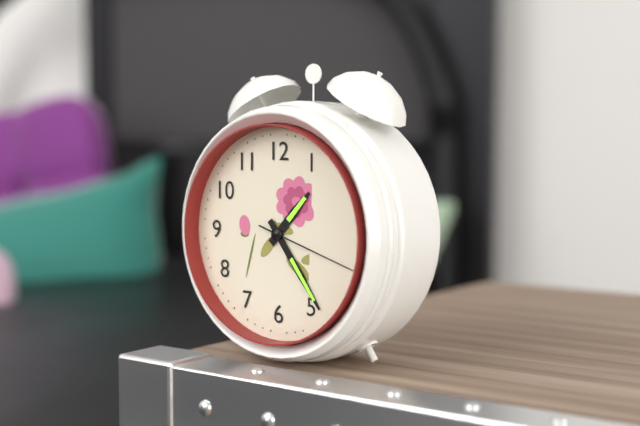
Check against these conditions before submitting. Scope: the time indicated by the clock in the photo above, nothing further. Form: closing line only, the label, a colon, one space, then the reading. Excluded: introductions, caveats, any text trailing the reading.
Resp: 1:24:18
